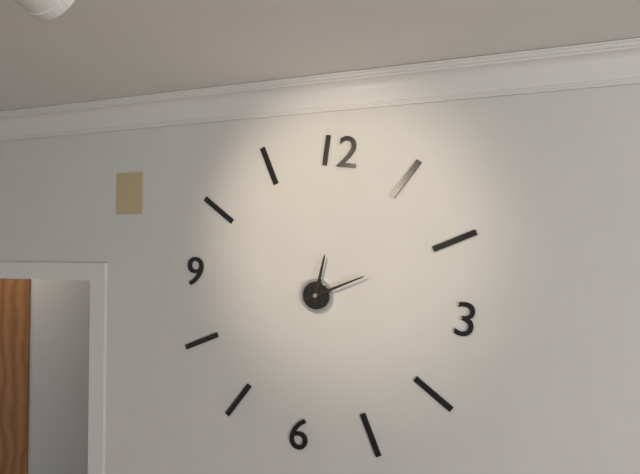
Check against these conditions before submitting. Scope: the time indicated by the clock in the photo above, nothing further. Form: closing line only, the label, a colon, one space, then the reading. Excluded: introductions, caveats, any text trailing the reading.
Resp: 12:10
